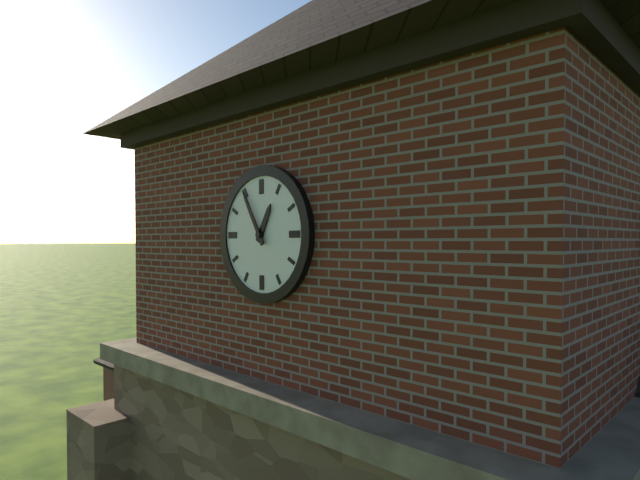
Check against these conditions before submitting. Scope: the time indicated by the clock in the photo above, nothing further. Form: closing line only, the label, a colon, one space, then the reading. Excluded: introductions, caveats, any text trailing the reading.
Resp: 12:55
